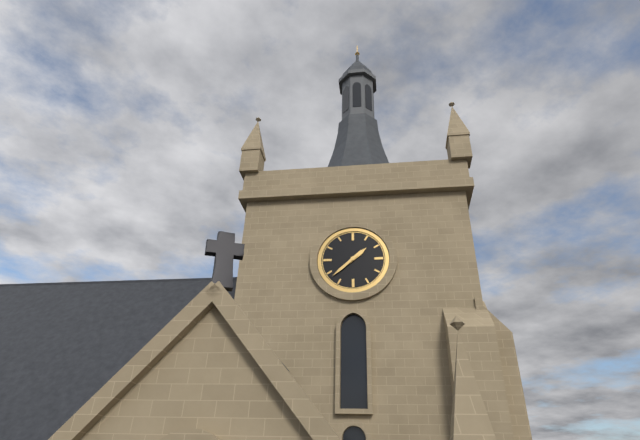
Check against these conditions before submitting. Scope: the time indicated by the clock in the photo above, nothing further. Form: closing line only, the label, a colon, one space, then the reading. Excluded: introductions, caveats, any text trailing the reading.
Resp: 1:38
